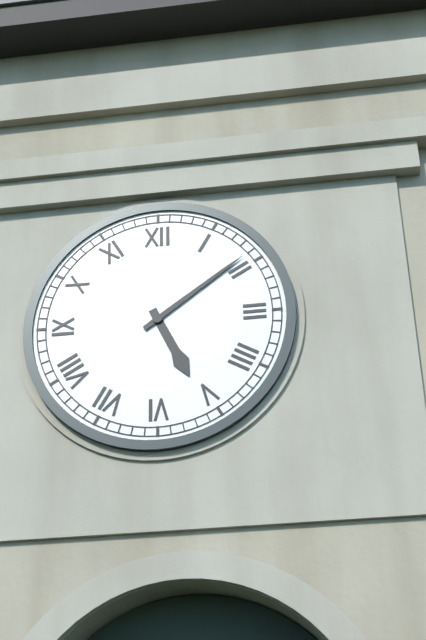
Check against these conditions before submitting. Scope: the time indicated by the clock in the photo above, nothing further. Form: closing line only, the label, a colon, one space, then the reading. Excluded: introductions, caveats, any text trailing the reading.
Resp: 5:09
